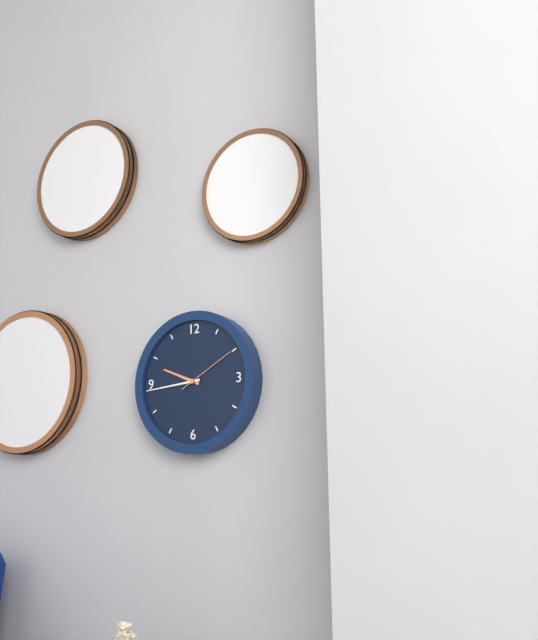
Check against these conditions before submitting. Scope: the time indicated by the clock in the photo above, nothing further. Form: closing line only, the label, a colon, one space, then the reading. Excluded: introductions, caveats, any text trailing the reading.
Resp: 9:44:10
